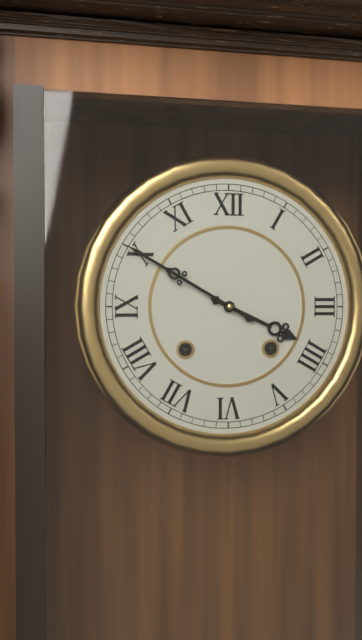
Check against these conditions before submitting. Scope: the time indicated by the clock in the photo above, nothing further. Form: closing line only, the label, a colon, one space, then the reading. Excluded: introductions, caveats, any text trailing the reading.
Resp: 3:50
